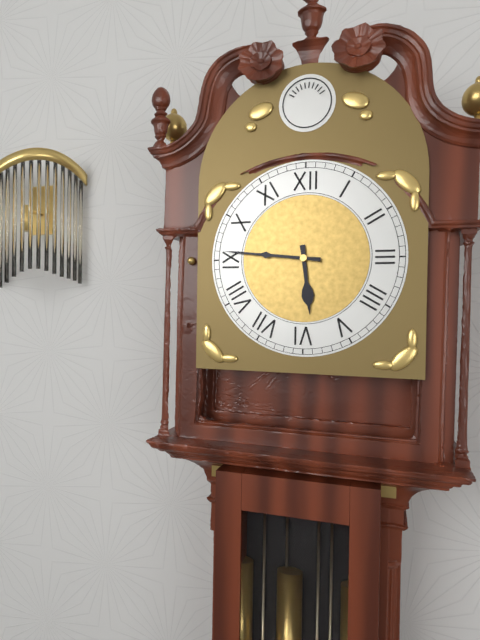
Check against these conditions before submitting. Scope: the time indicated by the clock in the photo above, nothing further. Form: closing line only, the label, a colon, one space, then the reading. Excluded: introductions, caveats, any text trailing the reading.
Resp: 5:46
